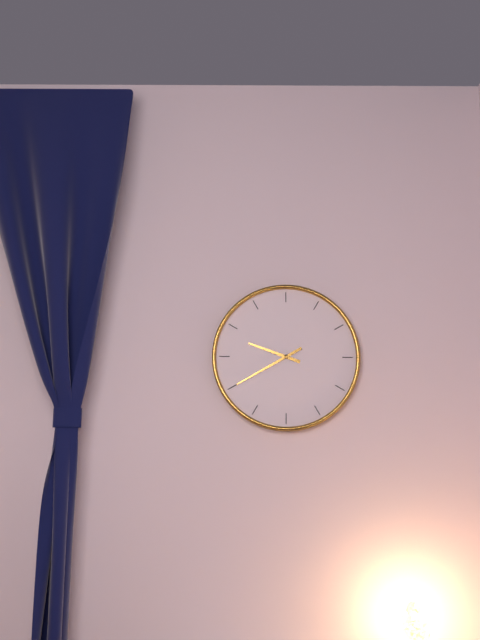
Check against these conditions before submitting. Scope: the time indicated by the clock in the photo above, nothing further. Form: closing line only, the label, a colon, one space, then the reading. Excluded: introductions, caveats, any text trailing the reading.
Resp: 9:40
